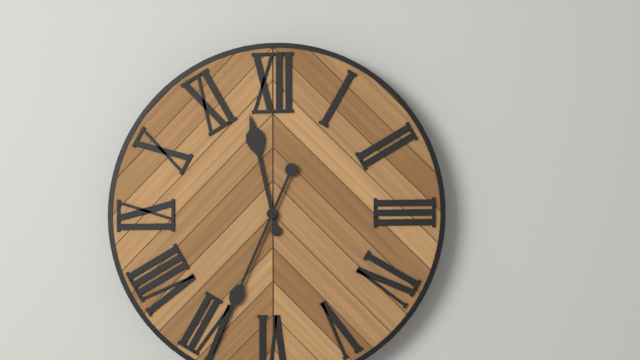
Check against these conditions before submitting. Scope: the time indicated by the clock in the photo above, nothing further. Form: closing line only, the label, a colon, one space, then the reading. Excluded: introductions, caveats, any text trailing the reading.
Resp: 11:34
